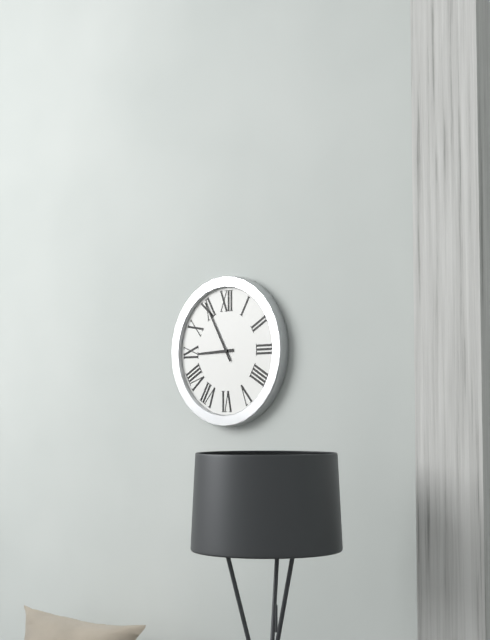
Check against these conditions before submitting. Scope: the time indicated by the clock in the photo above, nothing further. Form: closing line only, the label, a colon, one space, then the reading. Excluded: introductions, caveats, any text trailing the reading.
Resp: 8:55
